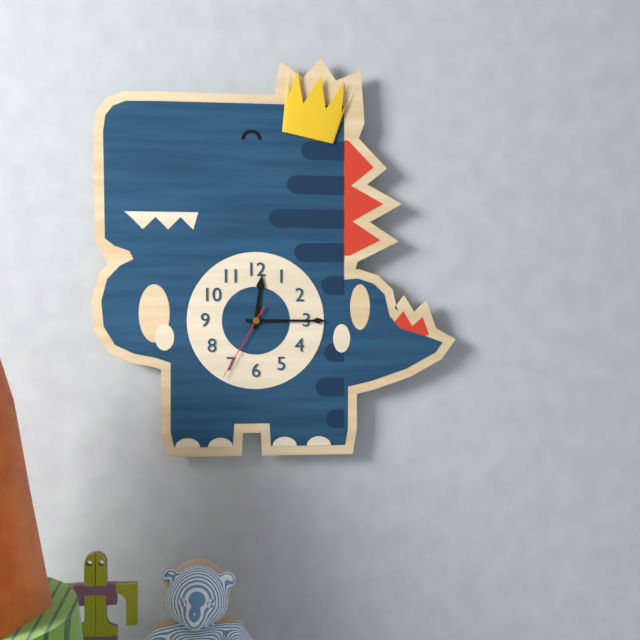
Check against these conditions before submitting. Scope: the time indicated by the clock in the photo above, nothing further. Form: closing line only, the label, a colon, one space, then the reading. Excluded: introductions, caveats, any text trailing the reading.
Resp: 12:15:35
